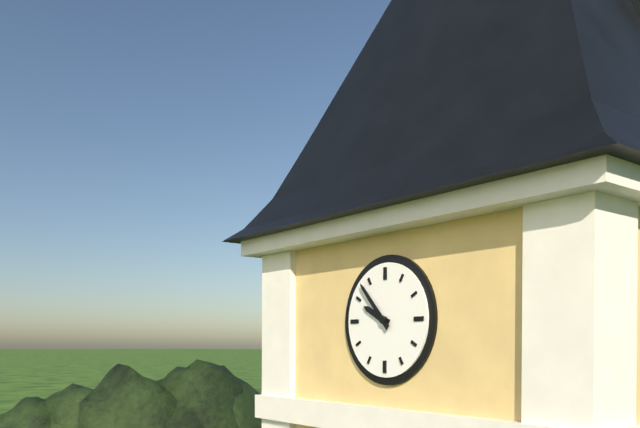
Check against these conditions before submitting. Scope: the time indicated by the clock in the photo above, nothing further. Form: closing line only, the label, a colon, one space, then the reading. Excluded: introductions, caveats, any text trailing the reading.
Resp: 9:53
